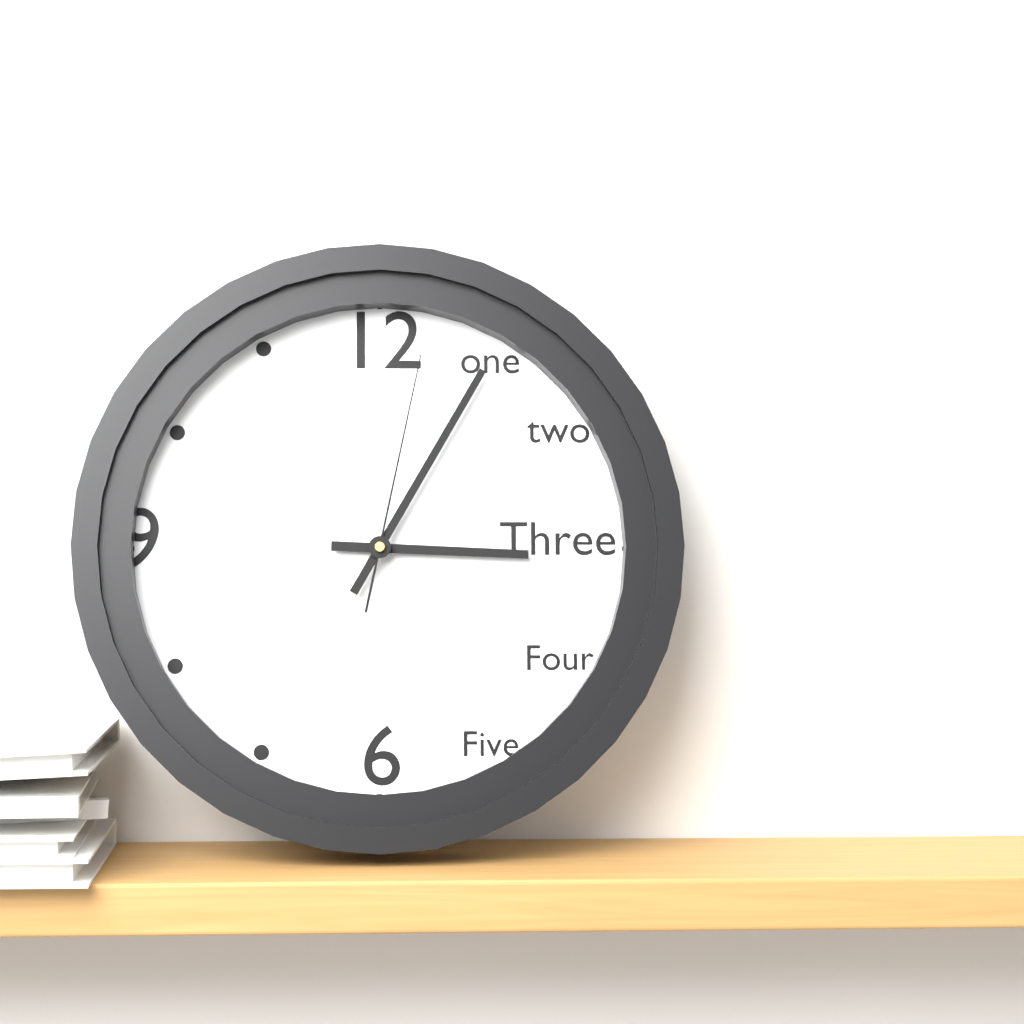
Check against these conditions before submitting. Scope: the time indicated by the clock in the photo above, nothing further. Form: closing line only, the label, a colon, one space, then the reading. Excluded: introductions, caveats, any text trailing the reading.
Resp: 3:05:02
